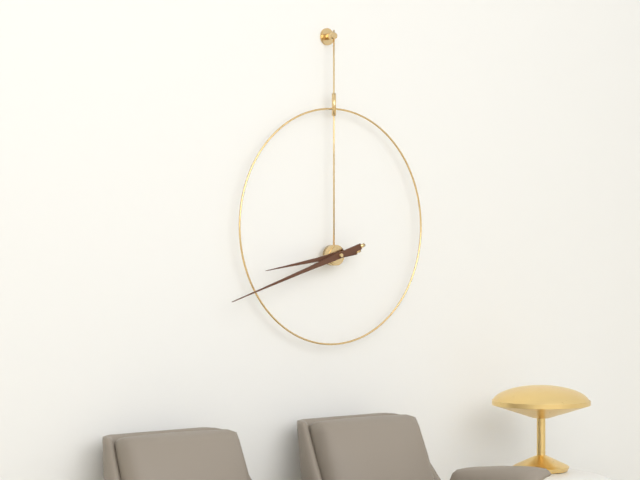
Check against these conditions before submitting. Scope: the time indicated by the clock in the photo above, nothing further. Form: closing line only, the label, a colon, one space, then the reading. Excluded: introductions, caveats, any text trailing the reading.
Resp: 8:42
